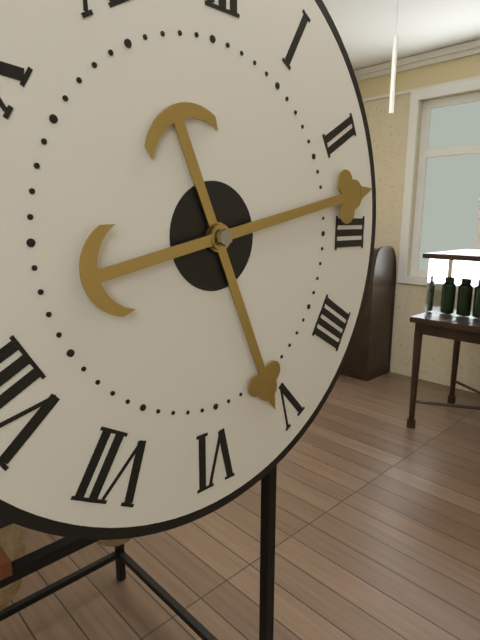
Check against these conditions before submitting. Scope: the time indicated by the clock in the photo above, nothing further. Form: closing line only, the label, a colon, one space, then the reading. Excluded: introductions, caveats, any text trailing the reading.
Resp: 5:13
